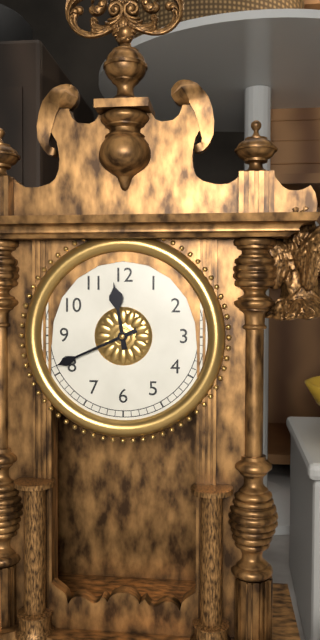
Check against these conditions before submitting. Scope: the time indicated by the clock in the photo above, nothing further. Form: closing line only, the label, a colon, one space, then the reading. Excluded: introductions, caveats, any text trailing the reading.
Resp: 11:41
